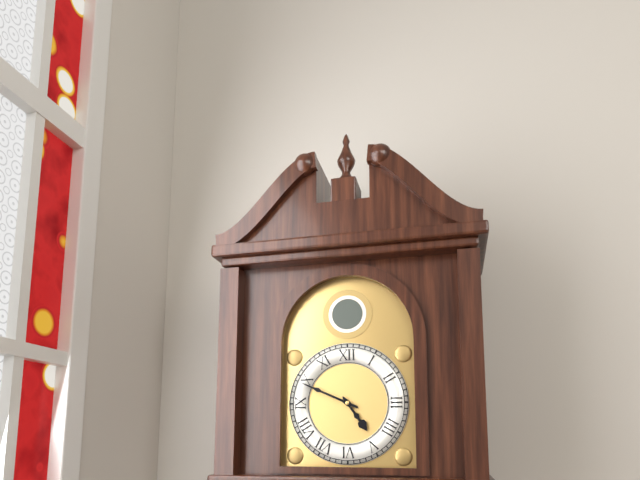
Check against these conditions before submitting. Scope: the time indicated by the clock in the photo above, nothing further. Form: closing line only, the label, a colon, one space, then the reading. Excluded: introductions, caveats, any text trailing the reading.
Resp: 4:49
